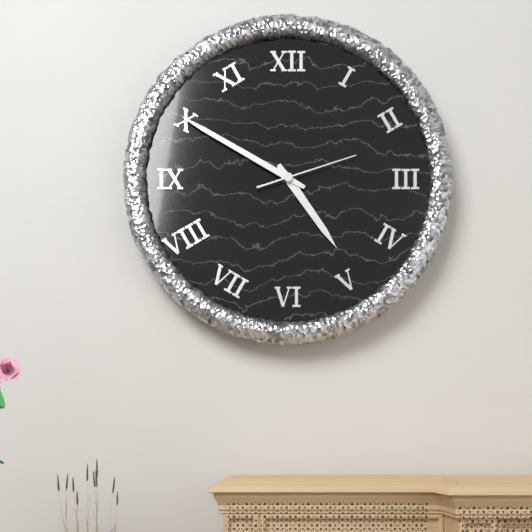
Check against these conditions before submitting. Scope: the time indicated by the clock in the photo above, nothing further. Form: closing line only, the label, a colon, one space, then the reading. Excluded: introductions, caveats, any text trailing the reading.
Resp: 4:50:12
